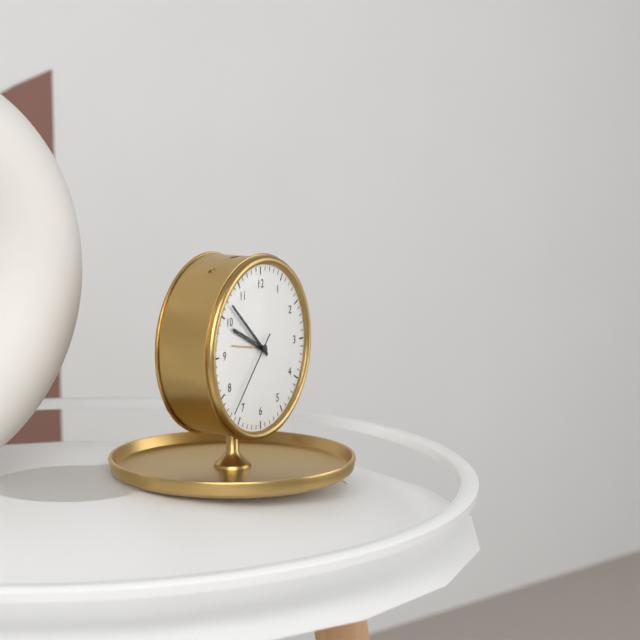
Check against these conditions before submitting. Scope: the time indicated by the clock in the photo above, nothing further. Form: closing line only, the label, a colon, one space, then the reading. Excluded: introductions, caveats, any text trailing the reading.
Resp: 9:52:37
